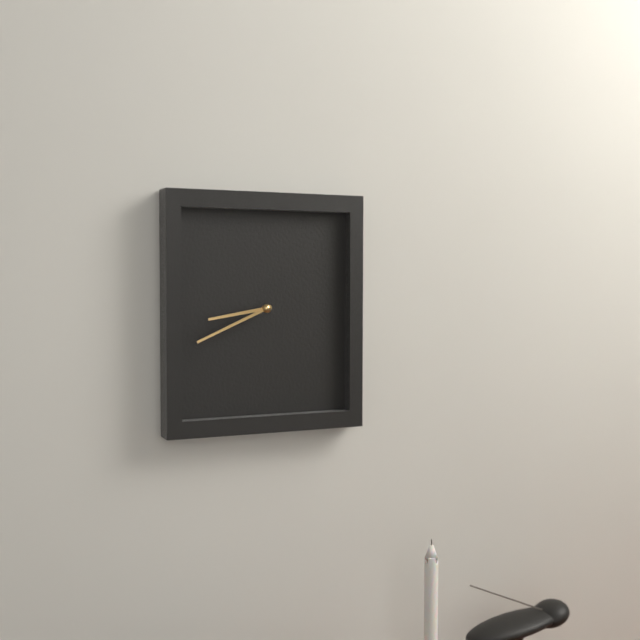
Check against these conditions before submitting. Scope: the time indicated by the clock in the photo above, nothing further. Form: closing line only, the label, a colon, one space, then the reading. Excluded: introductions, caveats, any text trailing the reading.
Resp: 8:41
